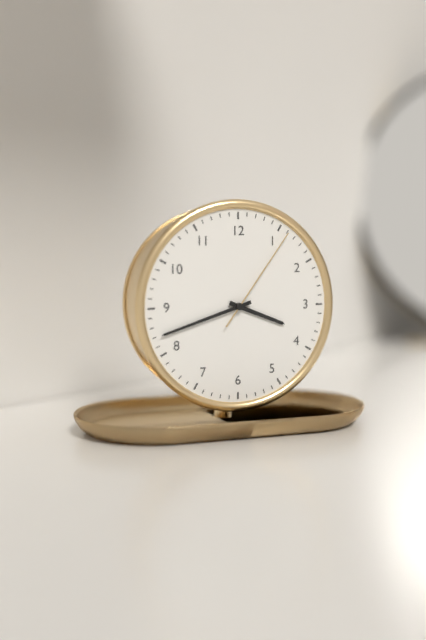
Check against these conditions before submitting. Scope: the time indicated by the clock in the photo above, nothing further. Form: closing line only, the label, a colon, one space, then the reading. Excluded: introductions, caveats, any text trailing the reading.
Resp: 3:42:06
